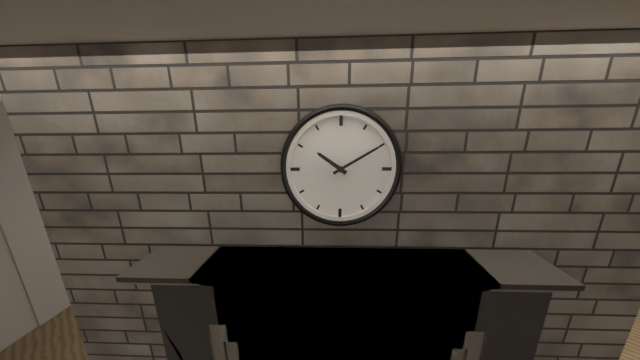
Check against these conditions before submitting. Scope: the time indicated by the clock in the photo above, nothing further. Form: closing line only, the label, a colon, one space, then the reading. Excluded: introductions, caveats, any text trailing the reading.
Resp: 10:10
